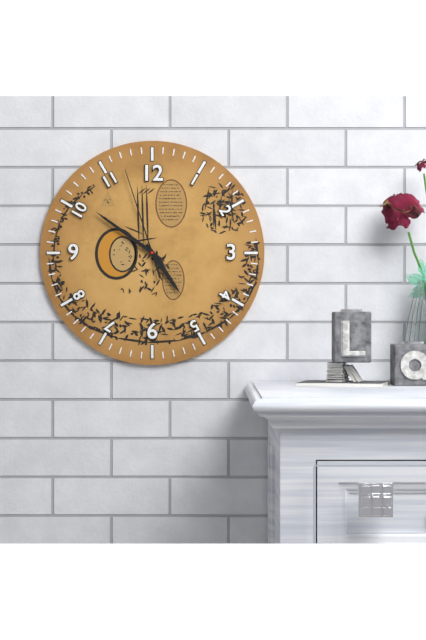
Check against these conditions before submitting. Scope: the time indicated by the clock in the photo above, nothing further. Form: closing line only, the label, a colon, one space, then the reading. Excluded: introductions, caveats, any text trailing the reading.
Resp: 4:51:57
